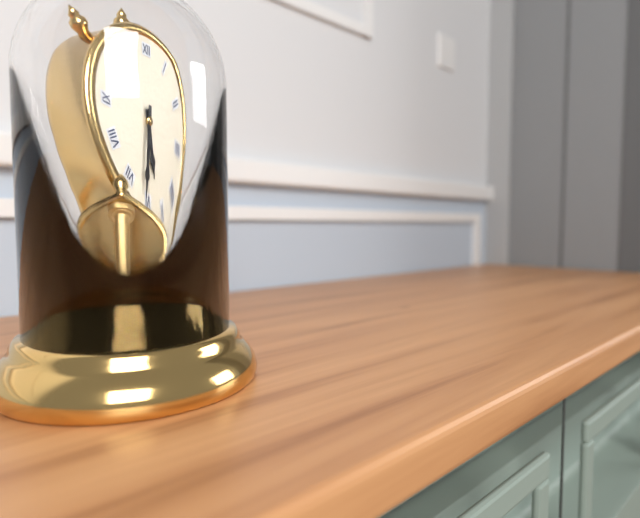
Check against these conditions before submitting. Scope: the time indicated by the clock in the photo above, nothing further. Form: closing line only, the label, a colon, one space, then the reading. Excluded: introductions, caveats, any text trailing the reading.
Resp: 5:31
